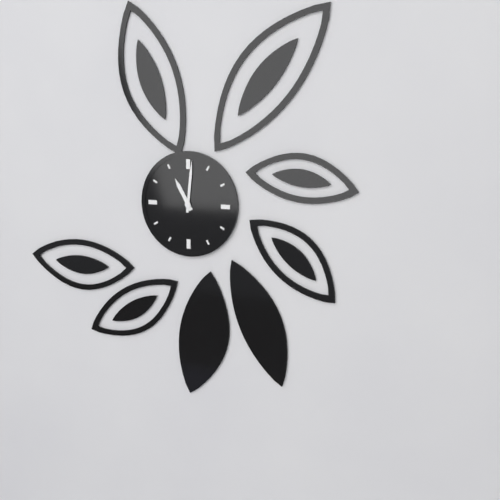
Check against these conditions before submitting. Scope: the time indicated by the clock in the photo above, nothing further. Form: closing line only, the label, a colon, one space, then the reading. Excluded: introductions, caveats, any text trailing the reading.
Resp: 11:01
